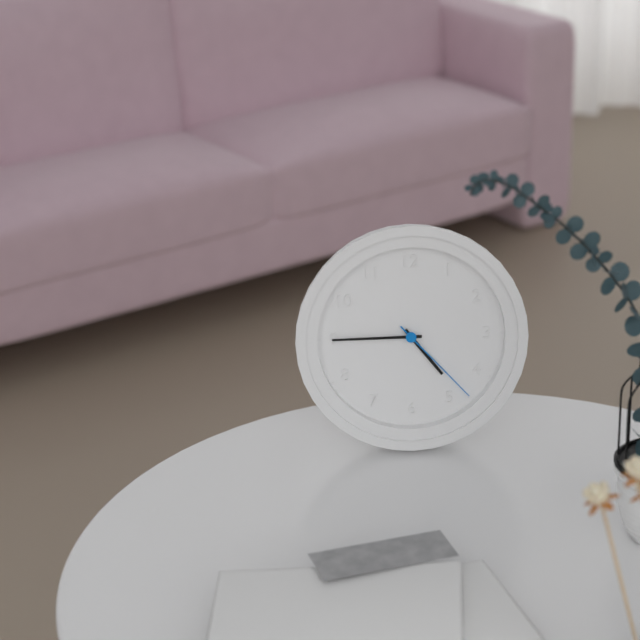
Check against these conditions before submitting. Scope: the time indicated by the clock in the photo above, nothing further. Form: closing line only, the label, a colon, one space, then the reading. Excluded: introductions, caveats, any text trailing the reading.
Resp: 4:45:23
